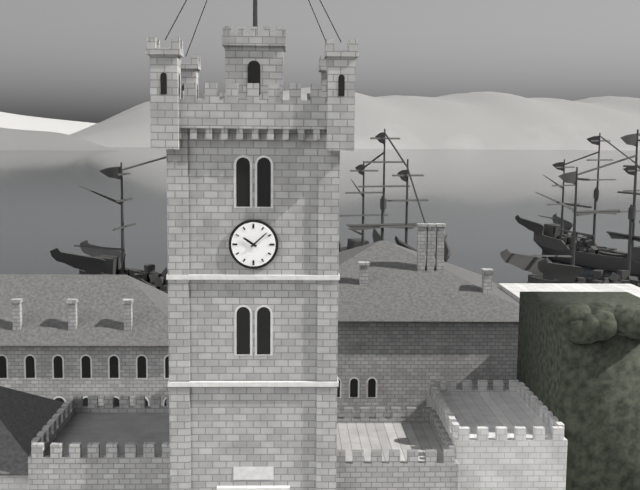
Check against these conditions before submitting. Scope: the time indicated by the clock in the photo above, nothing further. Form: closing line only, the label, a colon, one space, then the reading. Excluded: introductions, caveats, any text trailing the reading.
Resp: 10:08
